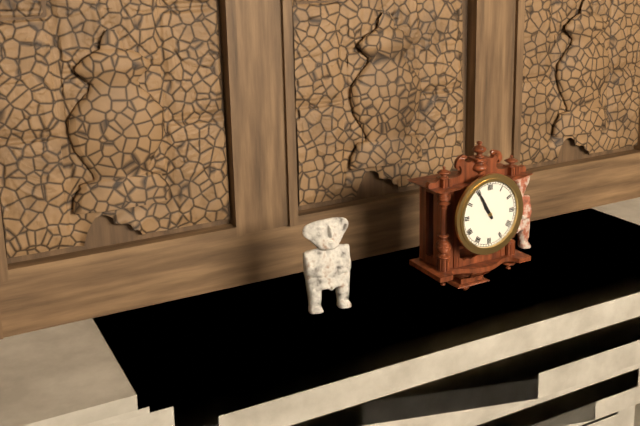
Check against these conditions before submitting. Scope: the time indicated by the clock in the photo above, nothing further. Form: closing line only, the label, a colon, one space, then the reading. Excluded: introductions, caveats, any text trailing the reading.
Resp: 10:55
